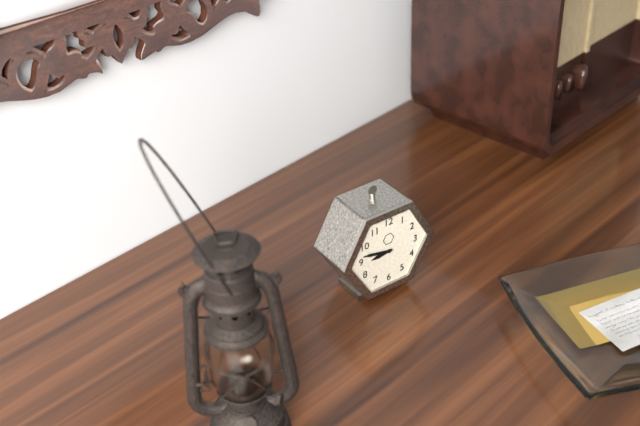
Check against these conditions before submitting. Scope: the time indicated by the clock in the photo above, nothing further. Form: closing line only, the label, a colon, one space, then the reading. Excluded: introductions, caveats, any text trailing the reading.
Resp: 8:47
